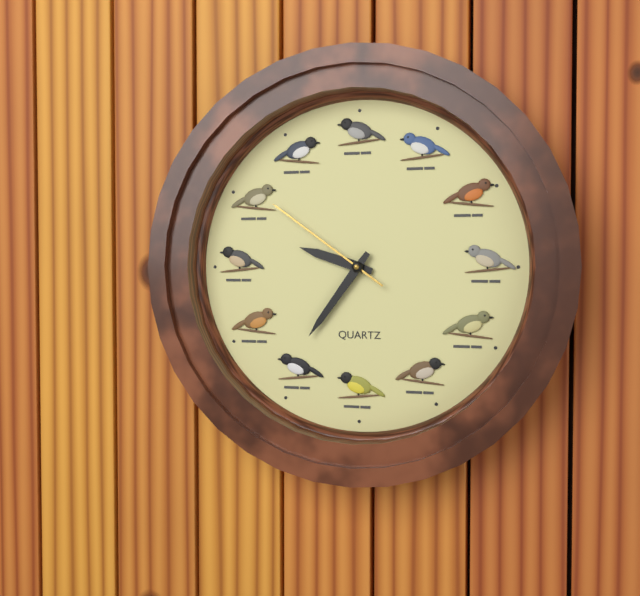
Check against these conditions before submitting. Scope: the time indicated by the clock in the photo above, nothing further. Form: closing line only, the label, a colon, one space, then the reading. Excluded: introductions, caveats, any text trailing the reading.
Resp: 9:36:51
